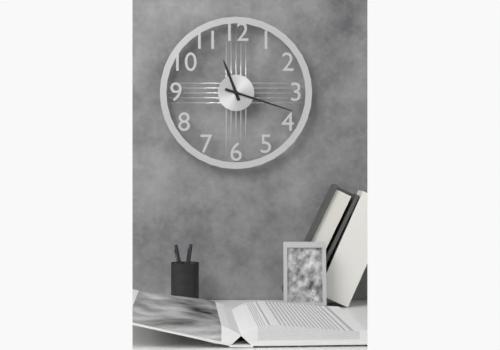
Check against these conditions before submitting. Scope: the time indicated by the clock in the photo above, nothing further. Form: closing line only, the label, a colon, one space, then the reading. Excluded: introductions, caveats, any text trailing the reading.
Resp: 11:18
